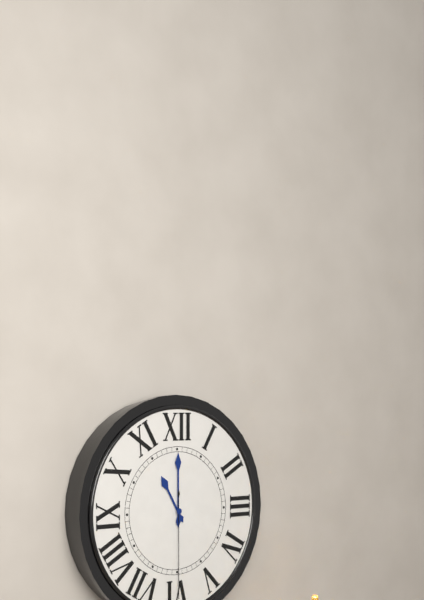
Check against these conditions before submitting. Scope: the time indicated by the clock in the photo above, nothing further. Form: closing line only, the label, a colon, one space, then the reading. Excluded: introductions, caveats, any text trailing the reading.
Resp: 11:00:30
